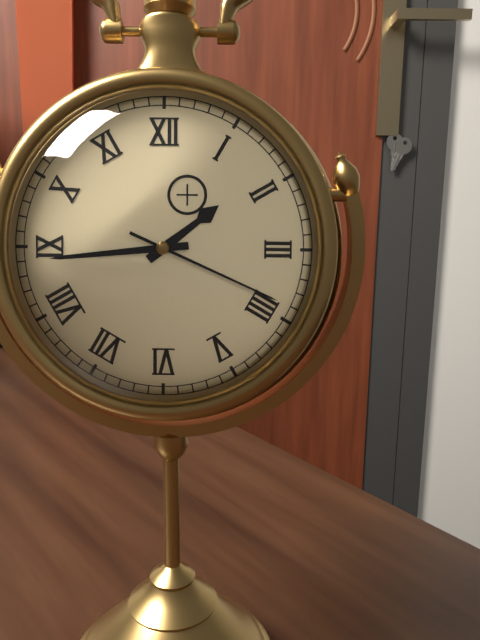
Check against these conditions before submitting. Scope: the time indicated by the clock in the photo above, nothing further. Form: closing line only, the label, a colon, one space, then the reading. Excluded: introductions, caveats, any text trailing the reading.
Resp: 1:44:19
